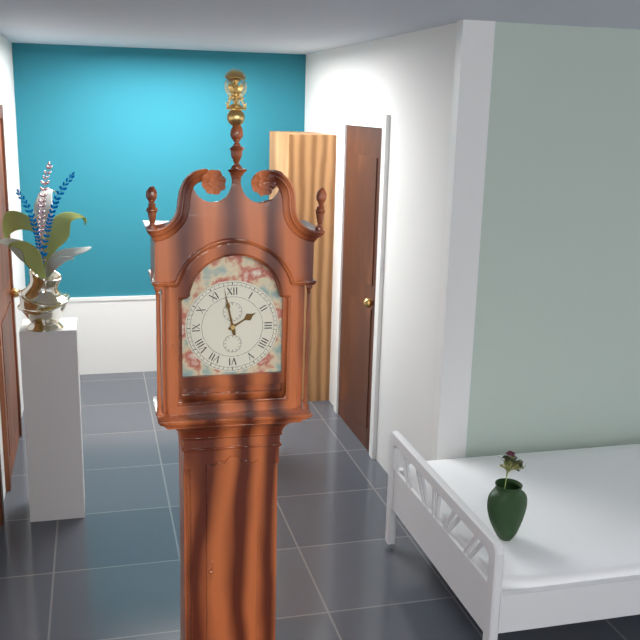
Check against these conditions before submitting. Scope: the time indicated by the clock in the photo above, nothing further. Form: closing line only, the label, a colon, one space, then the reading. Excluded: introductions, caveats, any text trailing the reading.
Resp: 1:58
